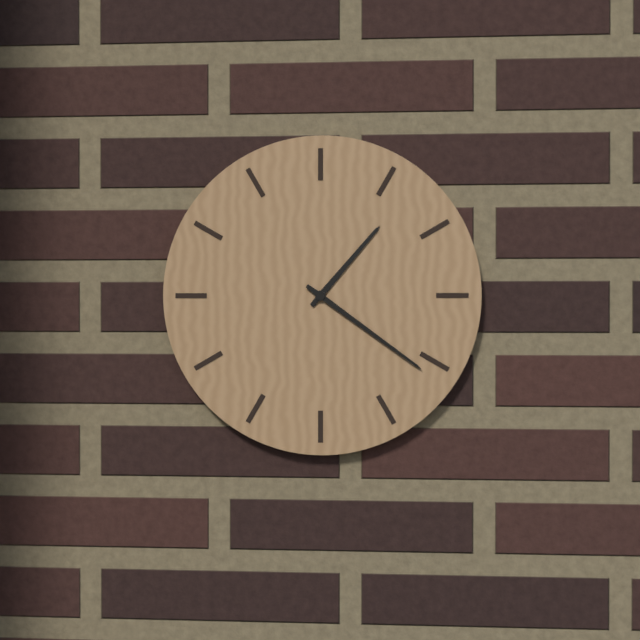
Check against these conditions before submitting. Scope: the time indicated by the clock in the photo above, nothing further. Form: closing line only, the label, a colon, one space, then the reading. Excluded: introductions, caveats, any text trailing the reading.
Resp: 1:21
